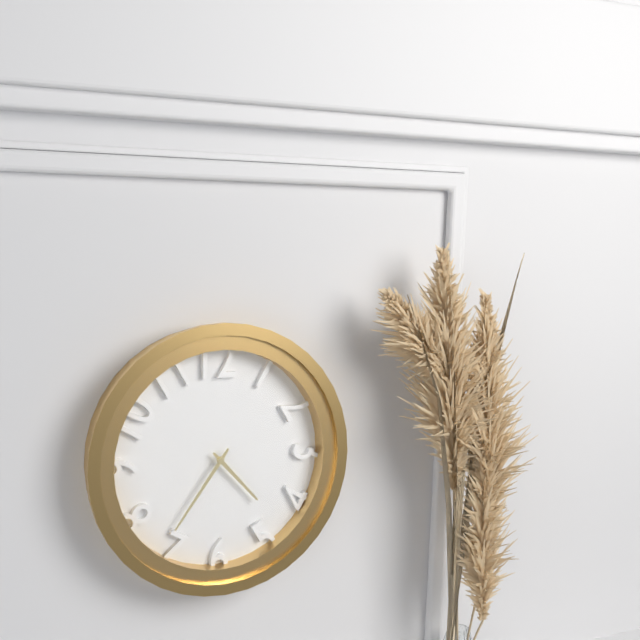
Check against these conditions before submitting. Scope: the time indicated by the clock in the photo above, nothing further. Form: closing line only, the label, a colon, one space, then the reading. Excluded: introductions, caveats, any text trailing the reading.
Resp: 4:36
